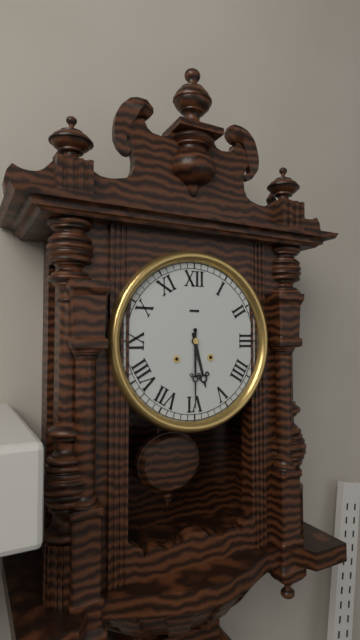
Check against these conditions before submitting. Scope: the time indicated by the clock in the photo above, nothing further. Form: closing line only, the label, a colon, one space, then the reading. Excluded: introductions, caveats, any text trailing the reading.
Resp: 5:30
